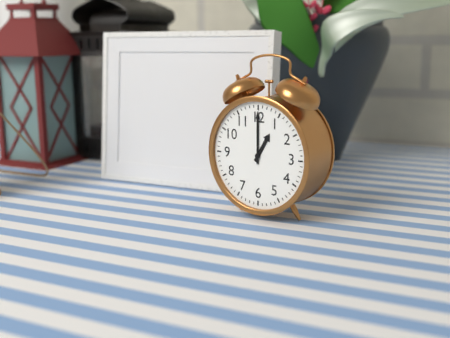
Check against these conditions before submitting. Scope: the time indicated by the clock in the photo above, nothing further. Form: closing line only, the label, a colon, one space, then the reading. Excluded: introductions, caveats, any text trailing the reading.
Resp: 1:00
